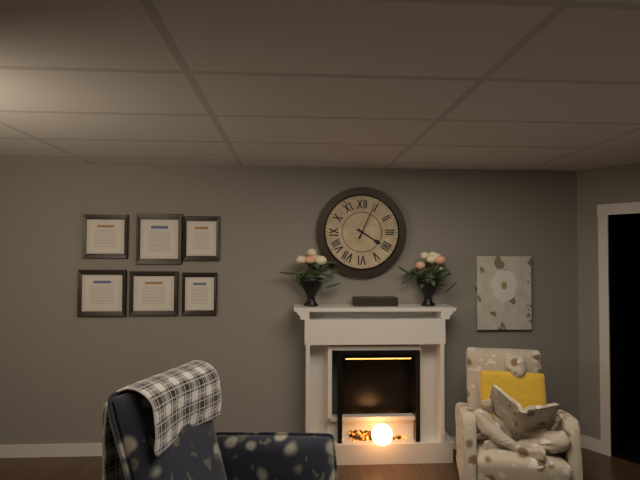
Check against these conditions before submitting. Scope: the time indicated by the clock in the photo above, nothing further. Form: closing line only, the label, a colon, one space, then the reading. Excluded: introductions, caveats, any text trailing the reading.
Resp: 4:04
